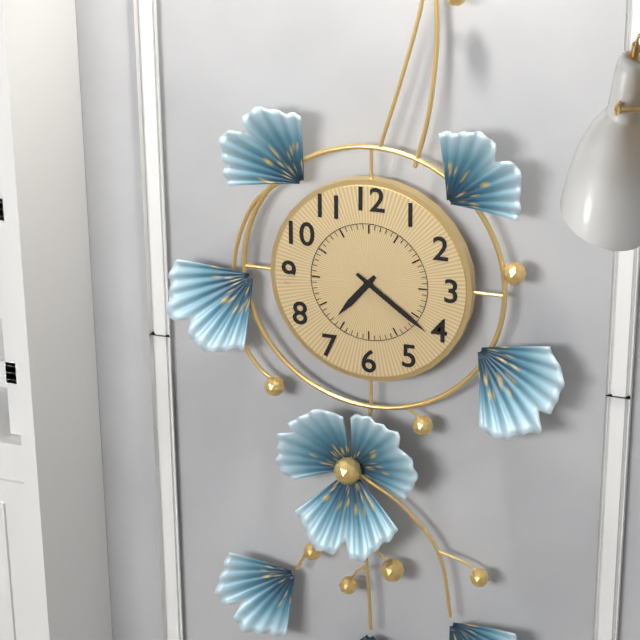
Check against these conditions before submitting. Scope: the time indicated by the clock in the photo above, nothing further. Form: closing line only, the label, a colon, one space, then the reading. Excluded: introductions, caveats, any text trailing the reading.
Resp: 7:21
